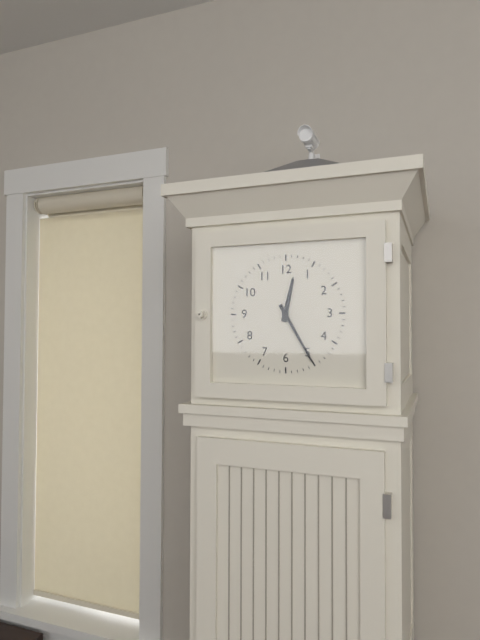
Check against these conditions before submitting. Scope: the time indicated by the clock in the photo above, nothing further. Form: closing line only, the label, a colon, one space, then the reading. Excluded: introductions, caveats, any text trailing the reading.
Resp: 12:25
